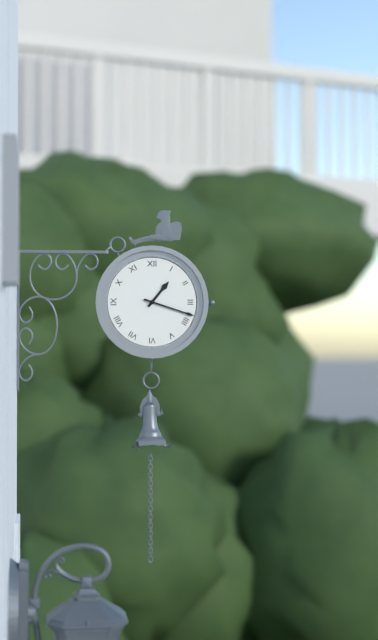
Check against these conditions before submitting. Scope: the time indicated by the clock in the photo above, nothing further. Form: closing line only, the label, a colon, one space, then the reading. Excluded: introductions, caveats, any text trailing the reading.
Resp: 1:18
